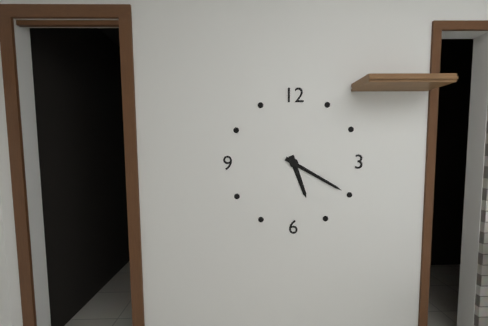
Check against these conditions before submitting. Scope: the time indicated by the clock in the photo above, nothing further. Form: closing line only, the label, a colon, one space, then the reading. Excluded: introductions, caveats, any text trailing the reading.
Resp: 5:20
